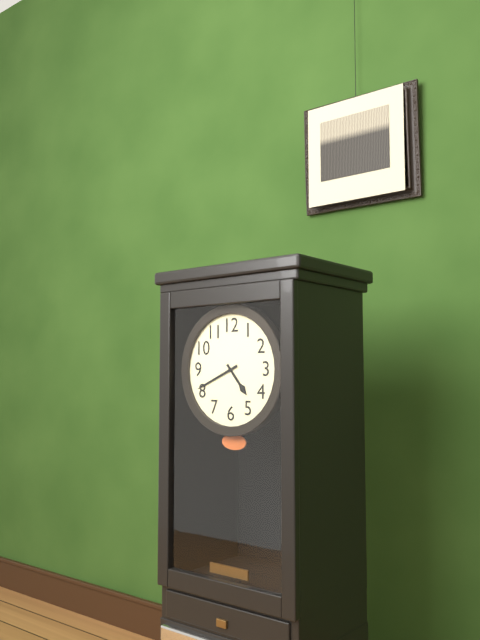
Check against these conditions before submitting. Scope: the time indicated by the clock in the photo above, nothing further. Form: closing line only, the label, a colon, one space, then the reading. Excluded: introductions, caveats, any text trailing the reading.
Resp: 4:41
